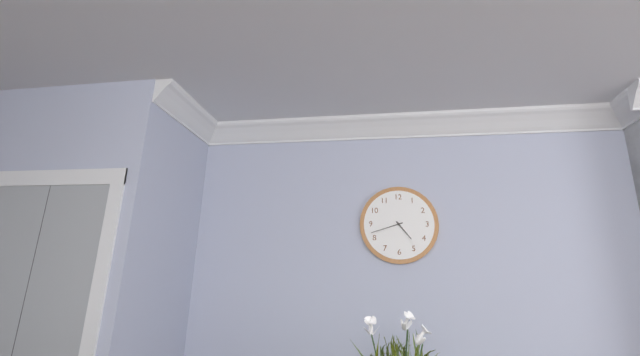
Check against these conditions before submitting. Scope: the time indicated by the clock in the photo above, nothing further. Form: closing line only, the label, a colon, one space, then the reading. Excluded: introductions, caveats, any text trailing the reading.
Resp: 4:42
